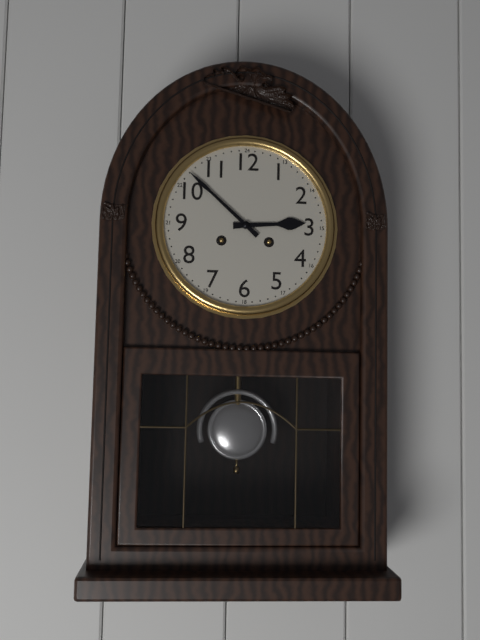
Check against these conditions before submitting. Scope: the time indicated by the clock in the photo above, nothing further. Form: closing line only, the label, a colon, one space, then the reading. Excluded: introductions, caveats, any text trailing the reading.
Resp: 2:52
